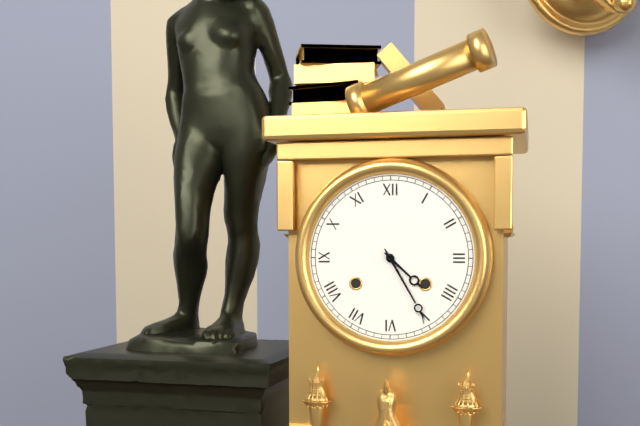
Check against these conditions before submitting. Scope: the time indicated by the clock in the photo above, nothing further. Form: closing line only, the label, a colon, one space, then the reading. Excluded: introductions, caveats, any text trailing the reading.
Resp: 4:25
